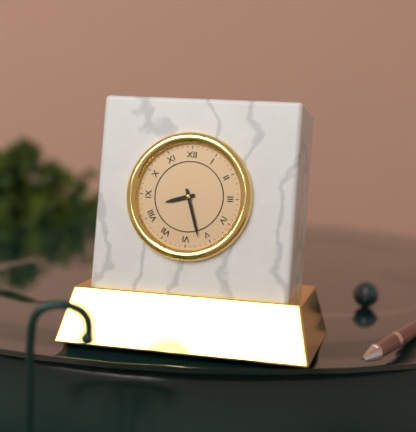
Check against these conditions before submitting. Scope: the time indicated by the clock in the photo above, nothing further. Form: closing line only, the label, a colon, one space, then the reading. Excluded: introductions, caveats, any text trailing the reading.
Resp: 8:27
